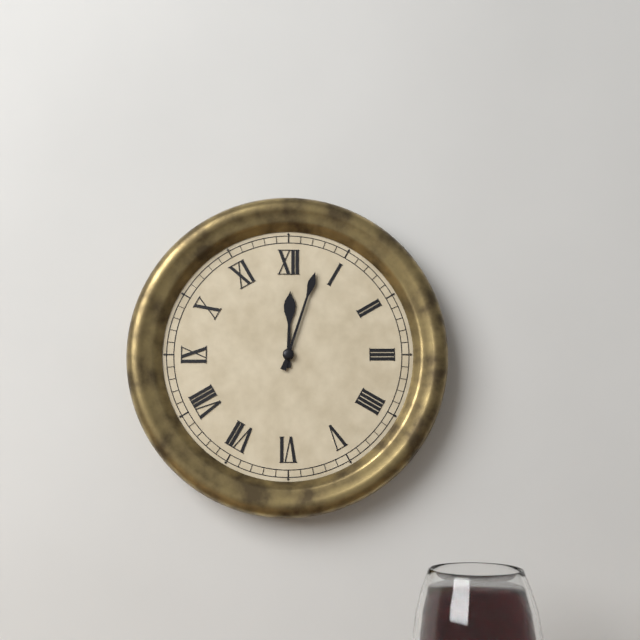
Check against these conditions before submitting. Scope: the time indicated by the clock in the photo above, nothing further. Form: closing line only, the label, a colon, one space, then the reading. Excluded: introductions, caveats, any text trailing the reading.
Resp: 12:03
